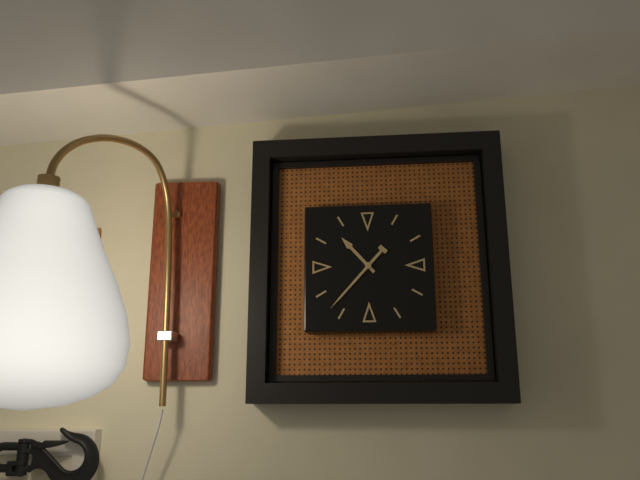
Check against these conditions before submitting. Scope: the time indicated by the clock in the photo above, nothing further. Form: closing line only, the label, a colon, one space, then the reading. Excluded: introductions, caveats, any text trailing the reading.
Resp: 10:37
